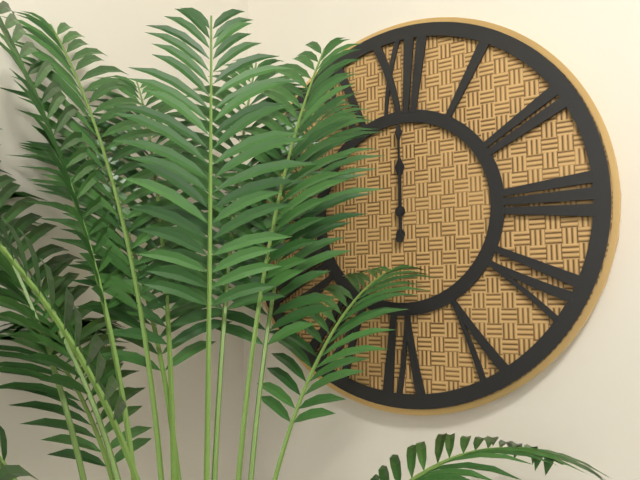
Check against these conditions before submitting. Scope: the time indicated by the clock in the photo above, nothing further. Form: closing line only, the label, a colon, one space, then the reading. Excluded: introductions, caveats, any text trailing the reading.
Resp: 12:00
